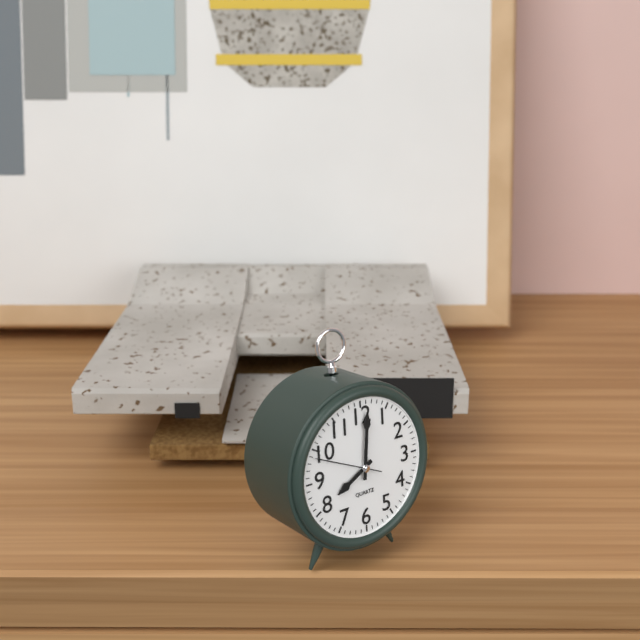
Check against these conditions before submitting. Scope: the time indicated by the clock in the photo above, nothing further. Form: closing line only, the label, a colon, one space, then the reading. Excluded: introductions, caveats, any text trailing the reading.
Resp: 8:01:49
